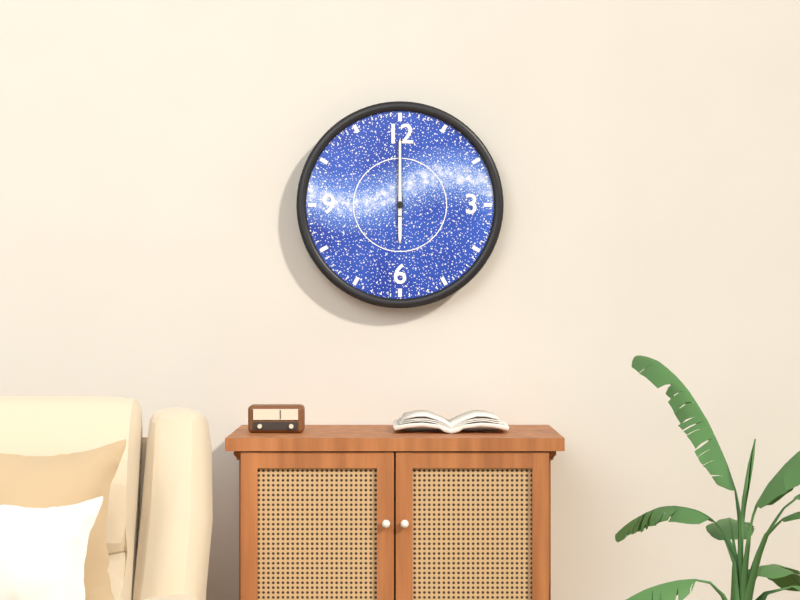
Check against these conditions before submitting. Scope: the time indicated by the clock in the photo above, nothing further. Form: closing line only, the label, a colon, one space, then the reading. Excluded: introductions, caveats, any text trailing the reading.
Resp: 6:00
